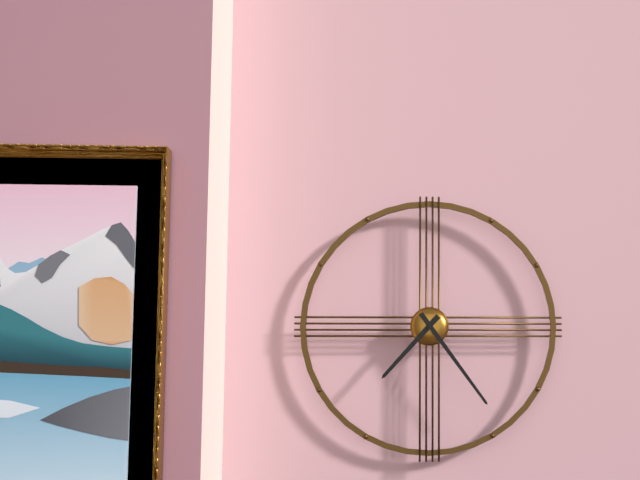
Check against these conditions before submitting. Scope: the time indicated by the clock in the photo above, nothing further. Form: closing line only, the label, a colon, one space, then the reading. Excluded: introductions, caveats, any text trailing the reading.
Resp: 7:24
